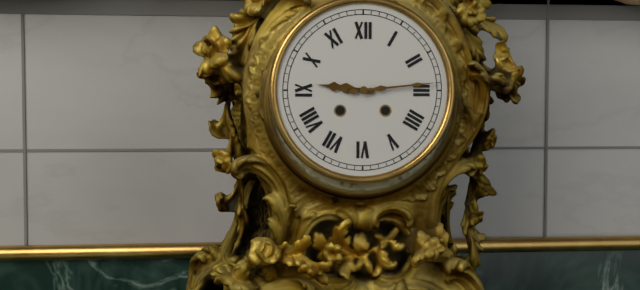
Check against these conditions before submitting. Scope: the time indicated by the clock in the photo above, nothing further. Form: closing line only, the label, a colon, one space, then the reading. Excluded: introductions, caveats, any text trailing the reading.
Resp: 9:14
